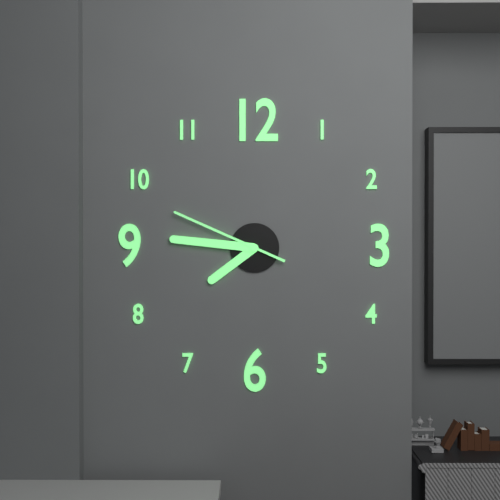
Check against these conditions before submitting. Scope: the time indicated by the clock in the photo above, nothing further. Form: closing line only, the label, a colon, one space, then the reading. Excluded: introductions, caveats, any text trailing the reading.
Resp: 7:46:49
